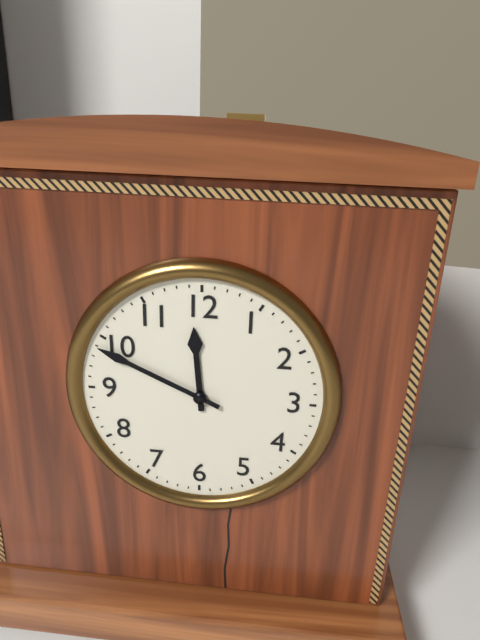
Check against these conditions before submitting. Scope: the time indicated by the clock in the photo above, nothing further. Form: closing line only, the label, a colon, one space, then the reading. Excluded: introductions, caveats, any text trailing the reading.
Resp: 11:49
